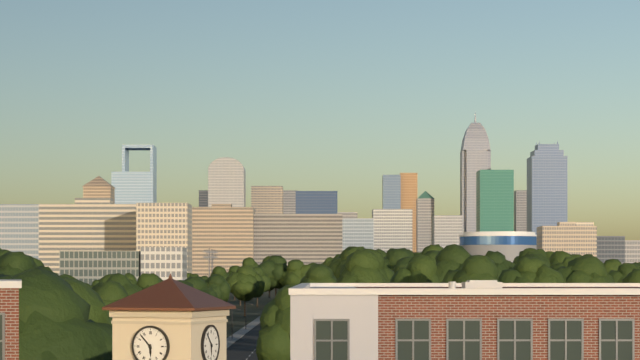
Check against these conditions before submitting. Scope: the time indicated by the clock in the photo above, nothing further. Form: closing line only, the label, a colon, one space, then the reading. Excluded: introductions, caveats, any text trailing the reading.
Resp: 5:53
